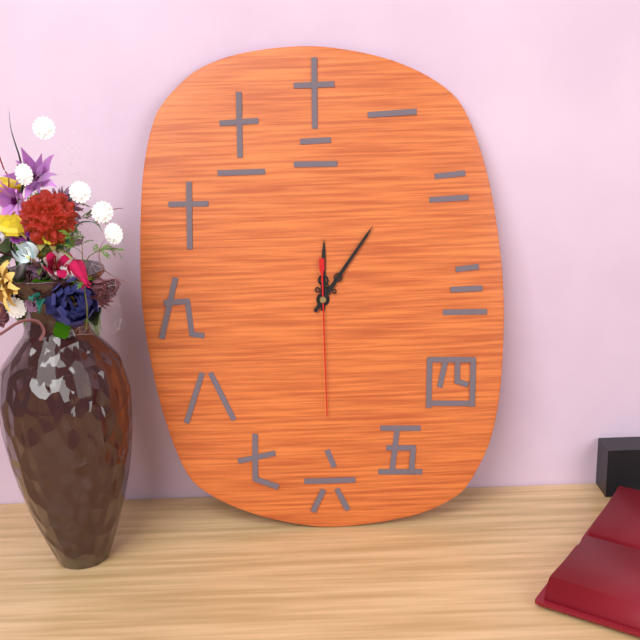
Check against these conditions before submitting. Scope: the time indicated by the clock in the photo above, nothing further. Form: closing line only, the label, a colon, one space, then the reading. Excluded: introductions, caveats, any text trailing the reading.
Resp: 12:06:30
